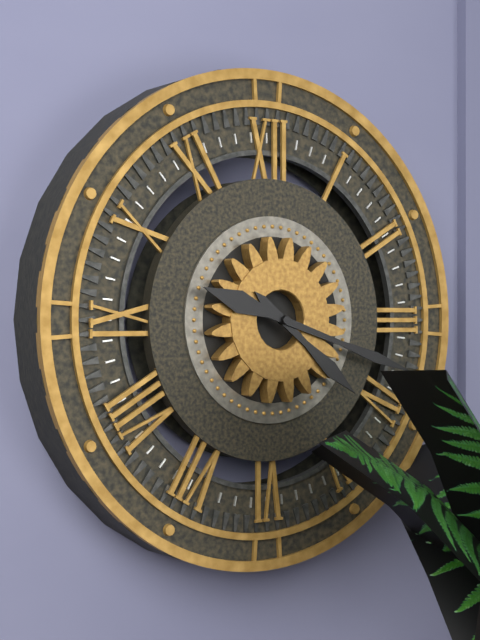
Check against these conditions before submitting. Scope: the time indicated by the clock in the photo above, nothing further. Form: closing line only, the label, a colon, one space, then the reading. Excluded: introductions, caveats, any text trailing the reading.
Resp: 4:18
